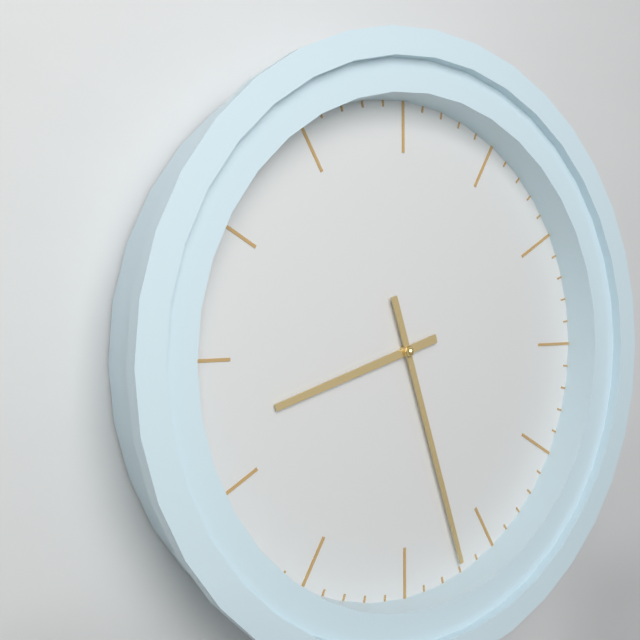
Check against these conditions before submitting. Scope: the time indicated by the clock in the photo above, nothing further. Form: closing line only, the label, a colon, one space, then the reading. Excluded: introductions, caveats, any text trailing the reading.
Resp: 8:27
